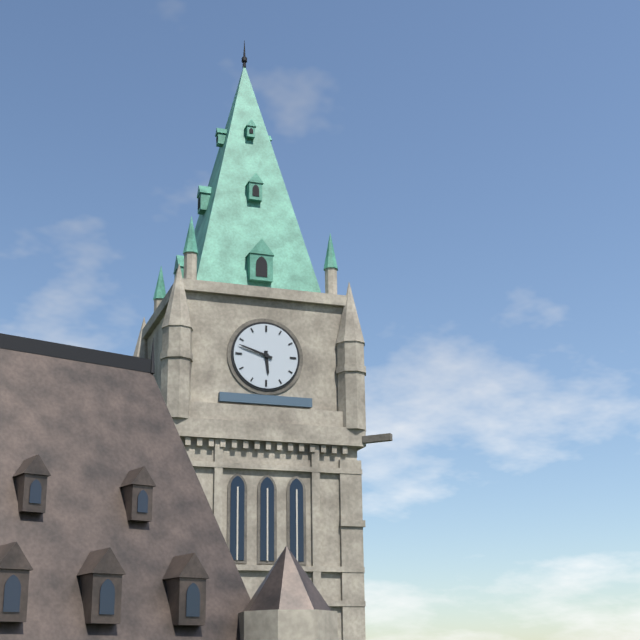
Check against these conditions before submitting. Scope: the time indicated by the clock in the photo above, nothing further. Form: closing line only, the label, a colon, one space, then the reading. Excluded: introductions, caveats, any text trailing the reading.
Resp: 5:48
